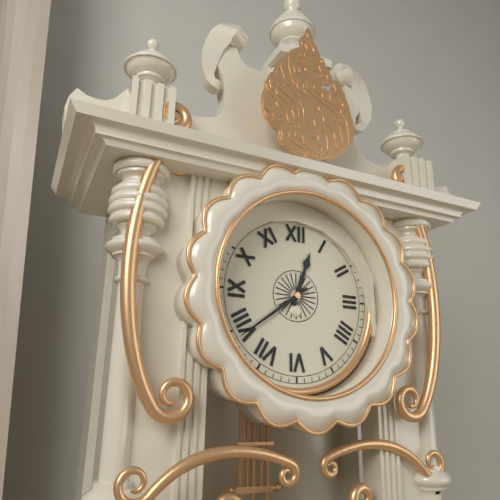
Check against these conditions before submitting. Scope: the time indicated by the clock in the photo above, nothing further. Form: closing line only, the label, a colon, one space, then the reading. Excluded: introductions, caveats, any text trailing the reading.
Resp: 12:39
